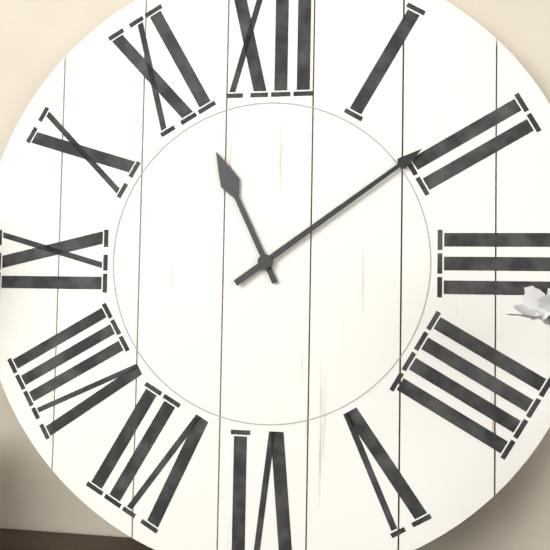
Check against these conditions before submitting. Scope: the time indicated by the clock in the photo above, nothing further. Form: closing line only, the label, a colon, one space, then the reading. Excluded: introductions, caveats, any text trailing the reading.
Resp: 11:09
